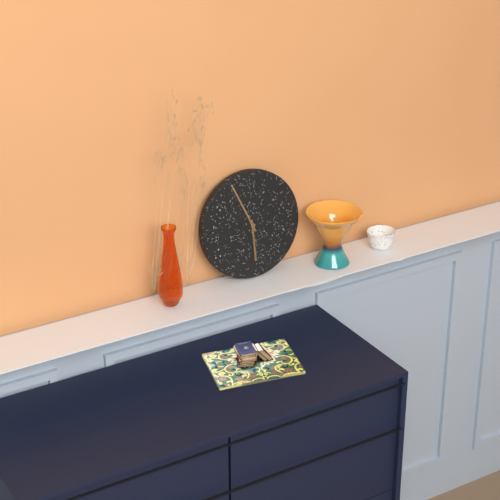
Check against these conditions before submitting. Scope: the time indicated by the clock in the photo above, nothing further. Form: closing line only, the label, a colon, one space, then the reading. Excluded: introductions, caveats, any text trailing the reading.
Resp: 5:56
